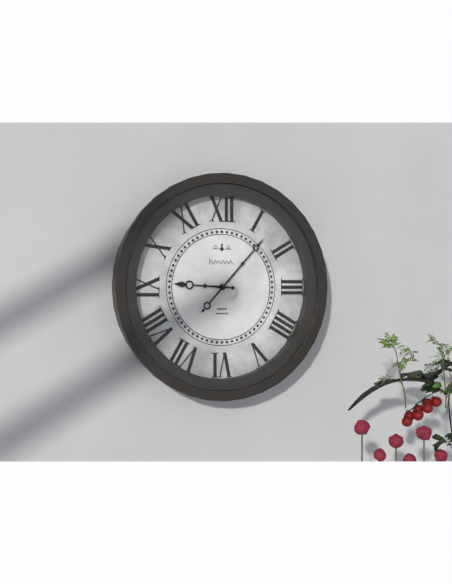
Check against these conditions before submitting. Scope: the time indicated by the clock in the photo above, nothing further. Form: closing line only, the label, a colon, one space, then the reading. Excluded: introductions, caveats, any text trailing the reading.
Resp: 9:07
